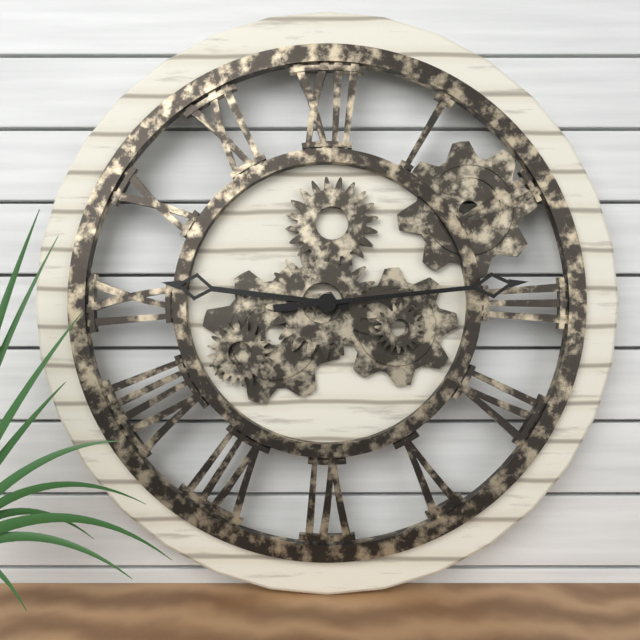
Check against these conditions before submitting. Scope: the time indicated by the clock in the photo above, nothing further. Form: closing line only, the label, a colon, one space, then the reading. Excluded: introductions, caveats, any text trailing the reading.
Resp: 9:14
